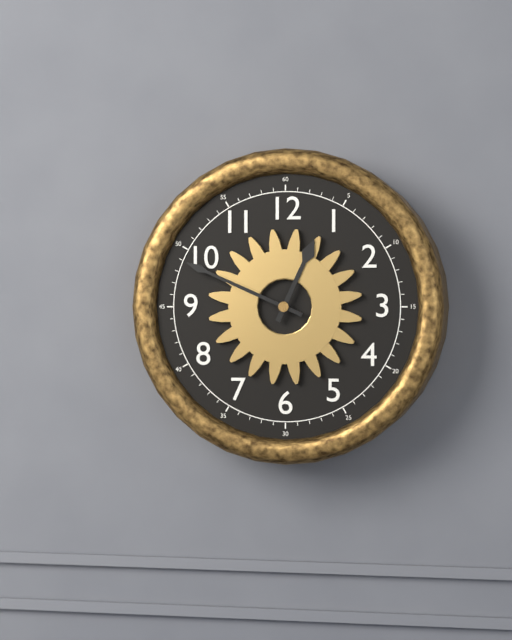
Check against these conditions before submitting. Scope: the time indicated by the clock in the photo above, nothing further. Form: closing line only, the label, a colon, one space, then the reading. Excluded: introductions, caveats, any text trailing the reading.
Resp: 12:49
